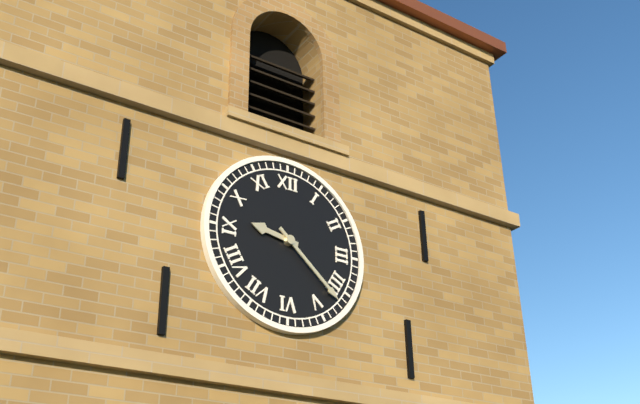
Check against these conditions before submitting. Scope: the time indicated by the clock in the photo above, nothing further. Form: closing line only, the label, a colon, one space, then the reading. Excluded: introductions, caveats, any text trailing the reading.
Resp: 9:22
